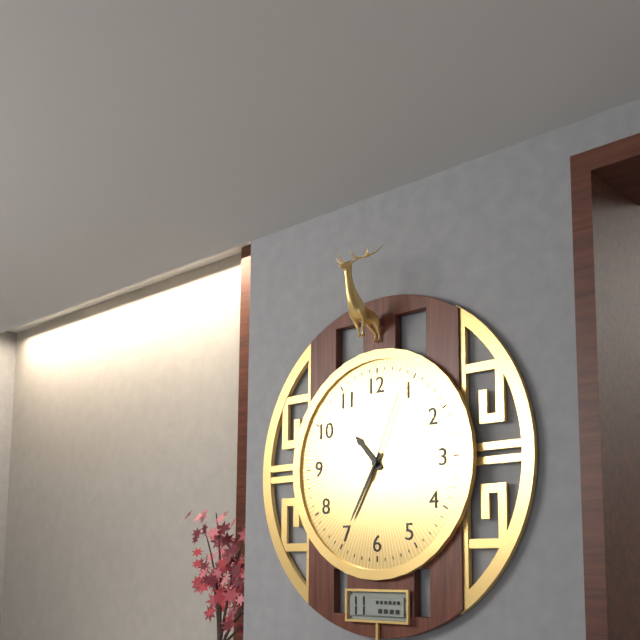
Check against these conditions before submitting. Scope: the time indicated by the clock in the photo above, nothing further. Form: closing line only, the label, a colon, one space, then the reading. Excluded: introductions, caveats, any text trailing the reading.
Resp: 10:35:04
